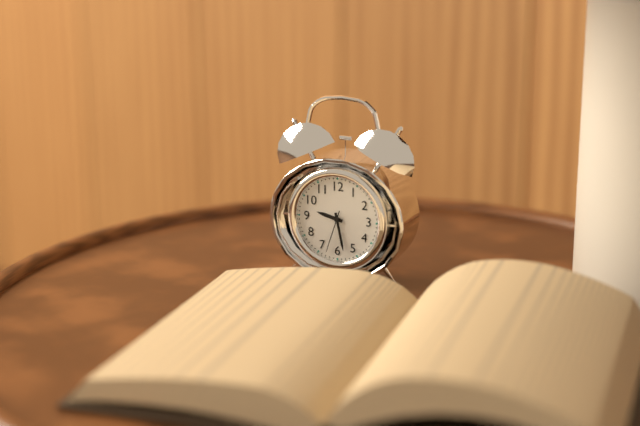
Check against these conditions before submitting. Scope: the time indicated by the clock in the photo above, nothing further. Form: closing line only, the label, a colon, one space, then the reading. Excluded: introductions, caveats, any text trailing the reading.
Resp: 9:28
